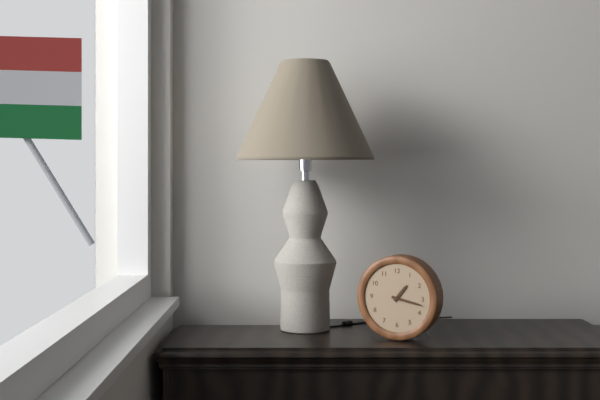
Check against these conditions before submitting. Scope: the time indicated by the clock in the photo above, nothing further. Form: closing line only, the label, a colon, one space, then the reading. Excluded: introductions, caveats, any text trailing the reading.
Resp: 1:17
